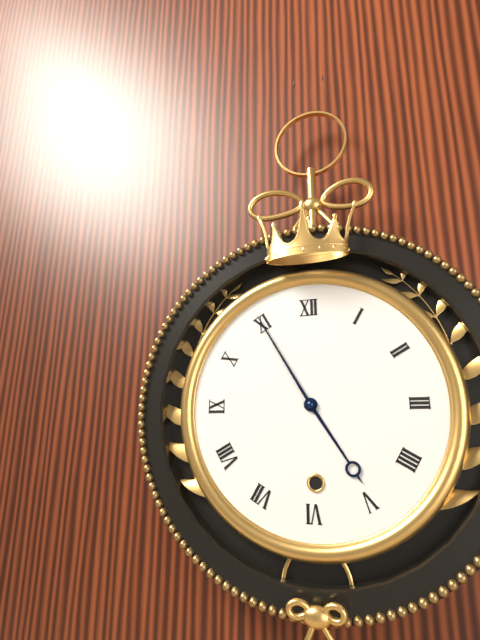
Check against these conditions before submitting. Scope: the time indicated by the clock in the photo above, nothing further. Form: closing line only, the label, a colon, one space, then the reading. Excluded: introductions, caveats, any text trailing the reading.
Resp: 4:55
